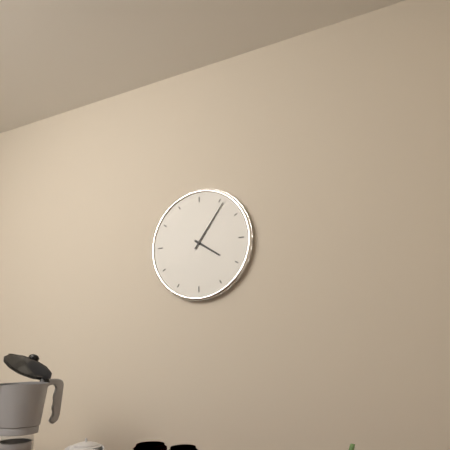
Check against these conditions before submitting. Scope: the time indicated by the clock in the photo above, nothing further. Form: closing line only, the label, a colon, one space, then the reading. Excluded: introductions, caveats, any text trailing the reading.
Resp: 4:06
